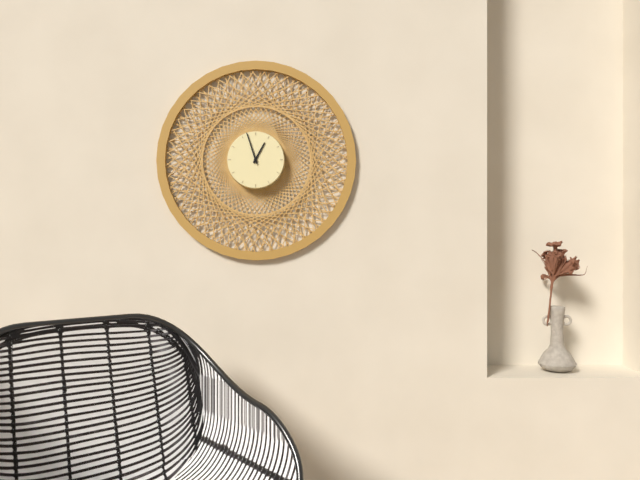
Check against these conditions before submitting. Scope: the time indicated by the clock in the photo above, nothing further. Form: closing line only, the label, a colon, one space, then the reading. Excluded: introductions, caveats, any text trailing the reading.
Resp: 12:57
